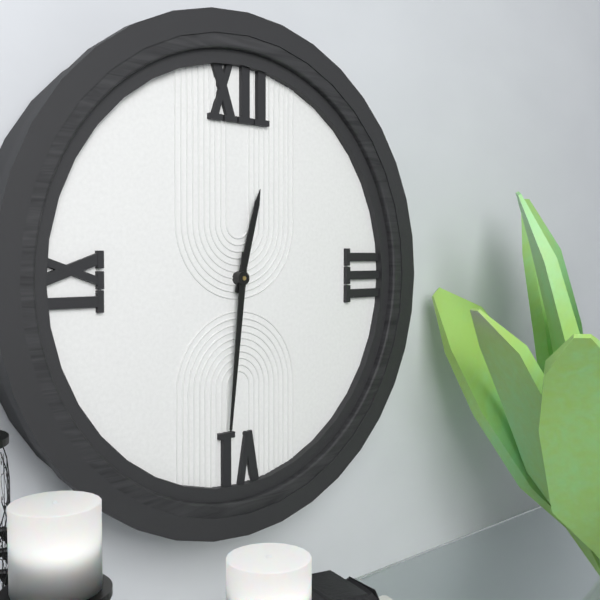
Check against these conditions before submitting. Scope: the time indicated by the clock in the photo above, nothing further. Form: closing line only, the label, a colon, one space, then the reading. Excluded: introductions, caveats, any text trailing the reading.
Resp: 12:31
